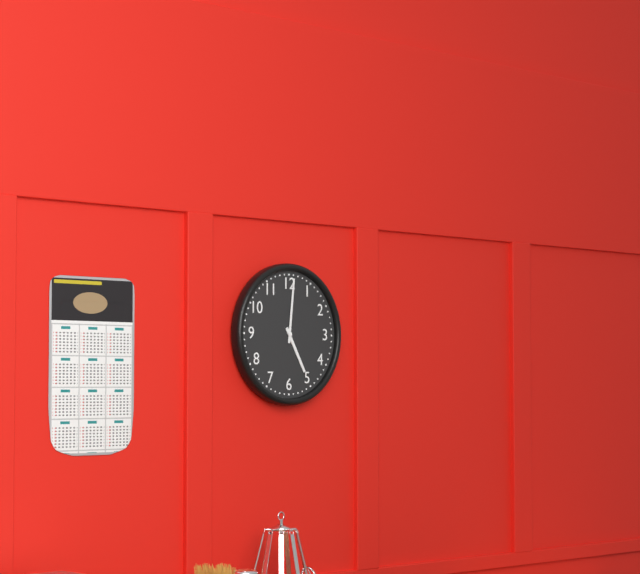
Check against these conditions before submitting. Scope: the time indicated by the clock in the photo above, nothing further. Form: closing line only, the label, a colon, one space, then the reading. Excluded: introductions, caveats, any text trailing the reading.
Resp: 5:01
